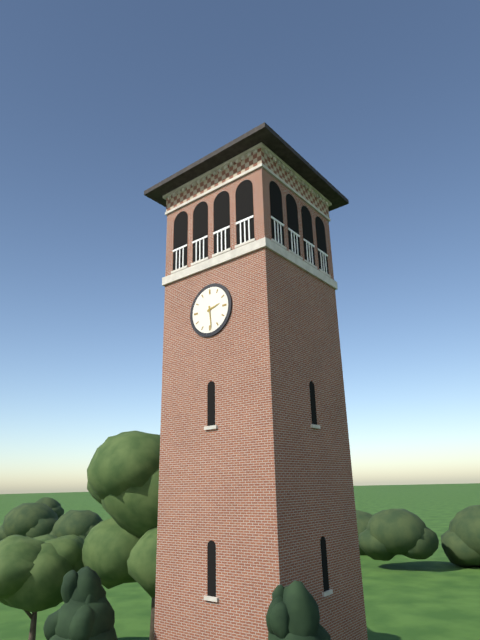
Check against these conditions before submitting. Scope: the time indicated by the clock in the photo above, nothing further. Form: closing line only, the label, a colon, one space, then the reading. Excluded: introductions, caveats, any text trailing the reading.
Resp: 2:29
